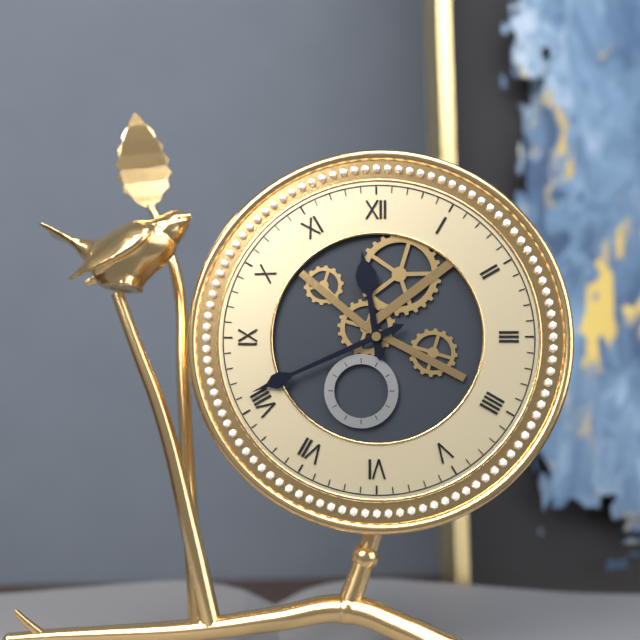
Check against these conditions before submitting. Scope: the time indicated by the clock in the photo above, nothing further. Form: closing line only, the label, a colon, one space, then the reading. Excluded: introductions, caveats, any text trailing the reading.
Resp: 11:41
